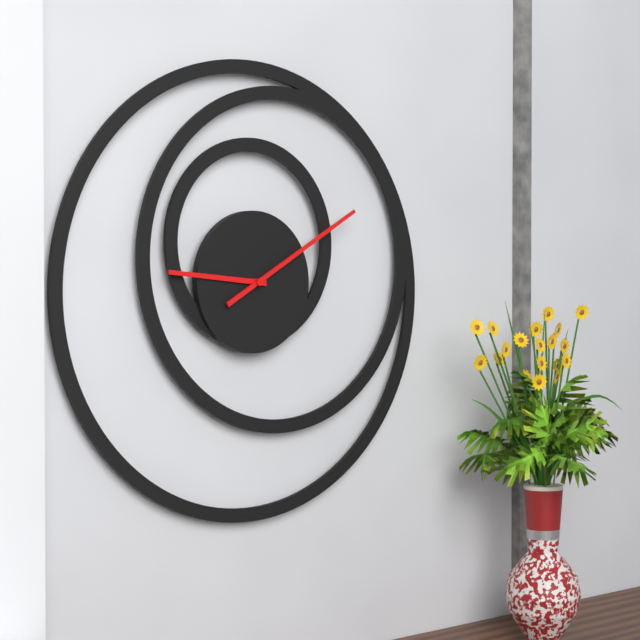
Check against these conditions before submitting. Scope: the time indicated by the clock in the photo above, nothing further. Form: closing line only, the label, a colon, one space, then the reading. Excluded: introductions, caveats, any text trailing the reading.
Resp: 9:10
